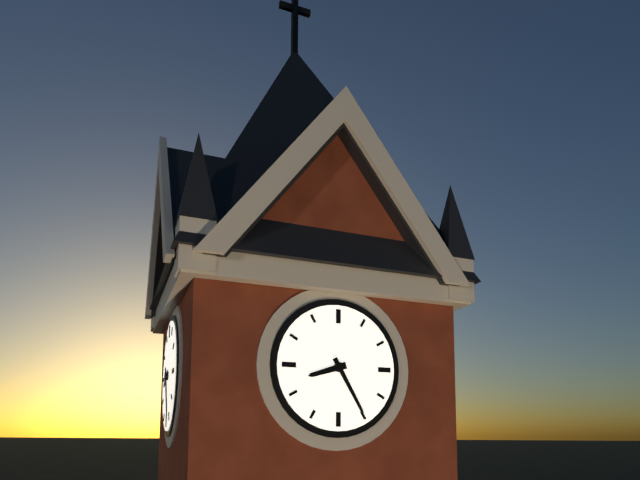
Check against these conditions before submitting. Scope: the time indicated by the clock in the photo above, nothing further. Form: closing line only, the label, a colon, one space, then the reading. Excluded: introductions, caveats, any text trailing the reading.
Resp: 8:25
